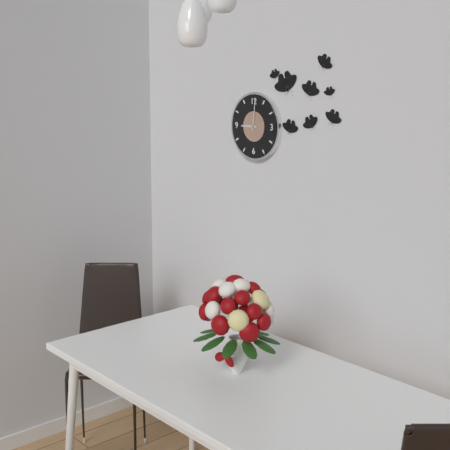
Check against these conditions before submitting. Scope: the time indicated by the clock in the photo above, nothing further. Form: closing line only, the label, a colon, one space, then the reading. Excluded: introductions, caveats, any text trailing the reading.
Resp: 9:01
